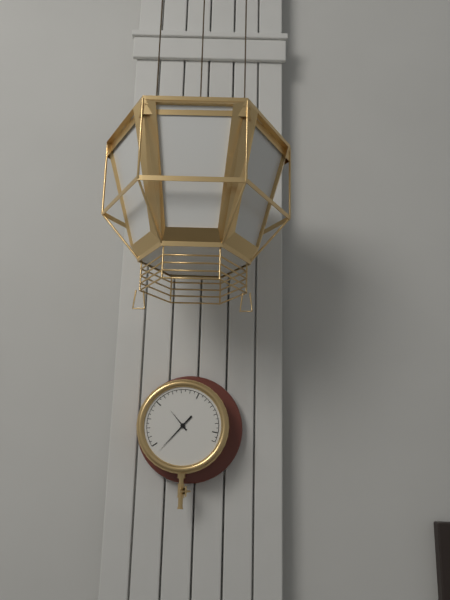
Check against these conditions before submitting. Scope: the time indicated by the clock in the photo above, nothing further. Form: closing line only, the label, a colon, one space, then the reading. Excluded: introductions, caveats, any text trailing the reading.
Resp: 10:37
